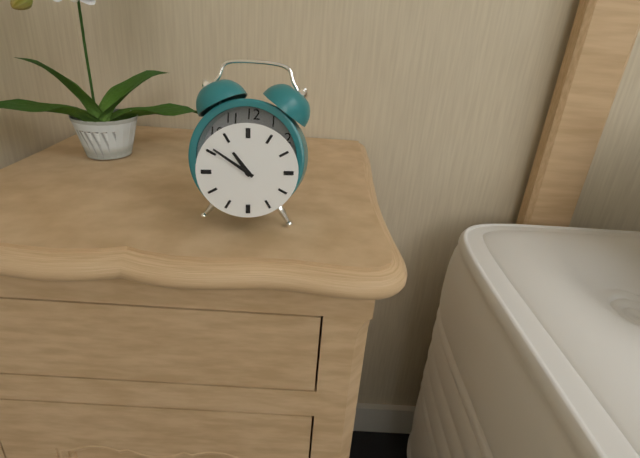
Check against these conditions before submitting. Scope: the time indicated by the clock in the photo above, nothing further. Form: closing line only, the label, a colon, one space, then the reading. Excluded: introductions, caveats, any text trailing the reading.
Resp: 10:51
